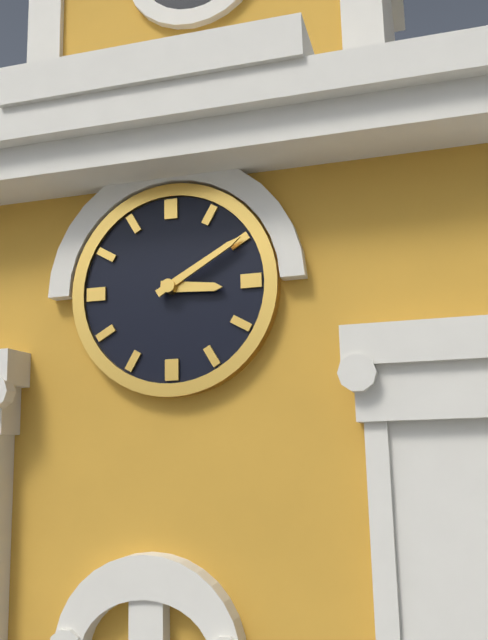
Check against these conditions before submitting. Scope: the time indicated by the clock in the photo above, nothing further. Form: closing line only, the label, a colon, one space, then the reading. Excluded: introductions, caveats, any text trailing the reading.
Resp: 3:10
